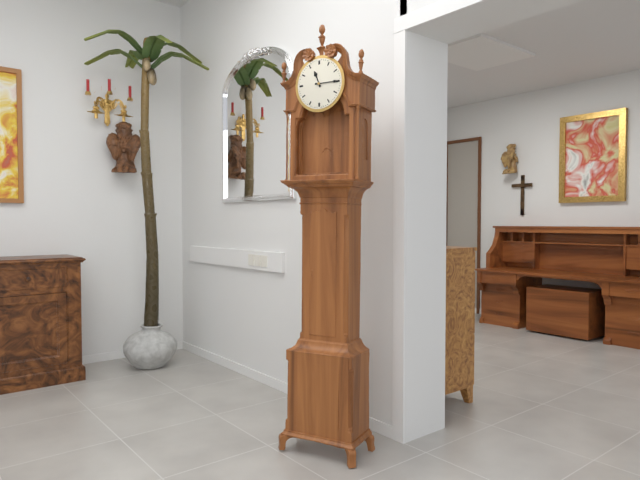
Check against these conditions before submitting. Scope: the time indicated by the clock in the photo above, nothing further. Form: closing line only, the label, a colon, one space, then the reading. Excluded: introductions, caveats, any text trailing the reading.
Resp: 11:15
